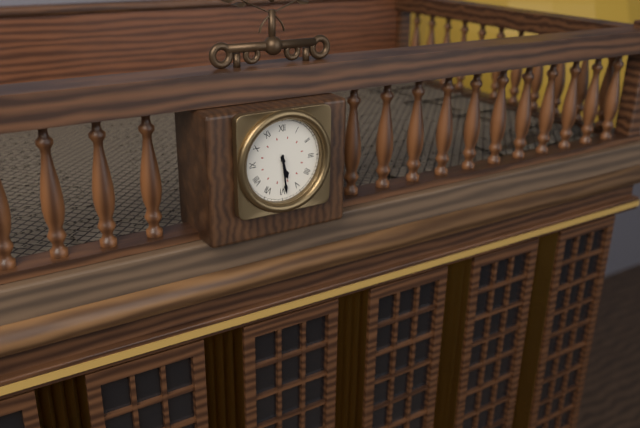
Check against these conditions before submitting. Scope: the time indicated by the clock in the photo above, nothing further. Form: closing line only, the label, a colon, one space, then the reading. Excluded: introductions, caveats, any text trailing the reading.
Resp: 5:29
